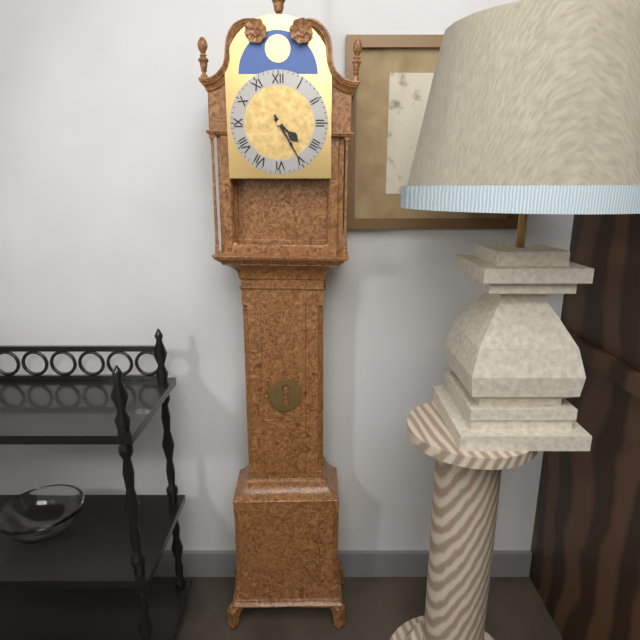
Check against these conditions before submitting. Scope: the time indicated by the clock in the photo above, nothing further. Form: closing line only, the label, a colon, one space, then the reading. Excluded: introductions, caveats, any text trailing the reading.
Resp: 4:25
